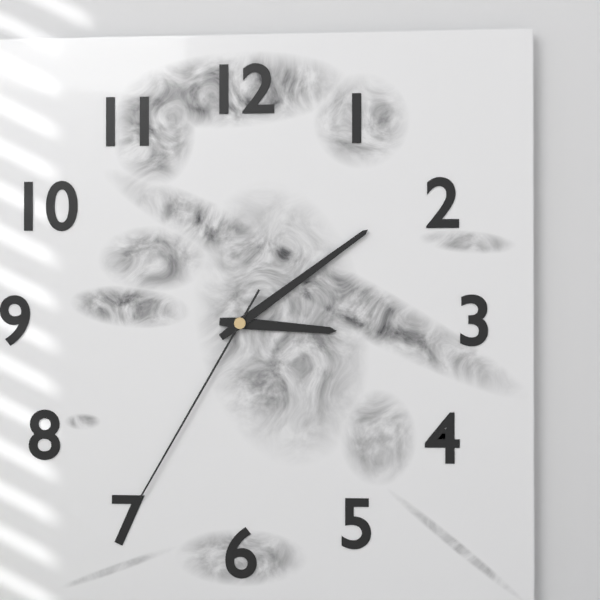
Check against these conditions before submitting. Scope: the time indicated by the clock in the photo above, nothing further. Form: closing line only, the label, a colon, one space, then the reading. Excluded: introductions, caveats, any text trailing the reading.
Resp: 3:09:35
